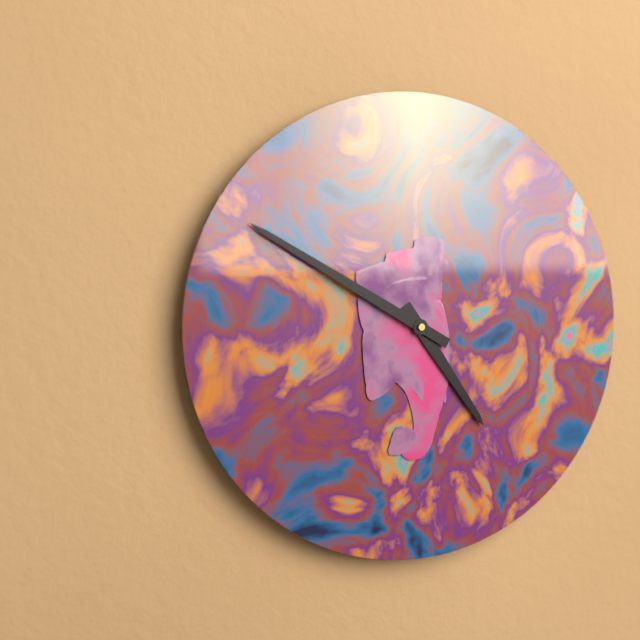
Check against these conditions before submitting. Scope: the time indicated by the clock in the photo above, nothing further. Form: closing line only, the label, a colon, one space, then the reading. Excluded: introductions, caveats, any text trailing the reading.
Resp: 4:50
